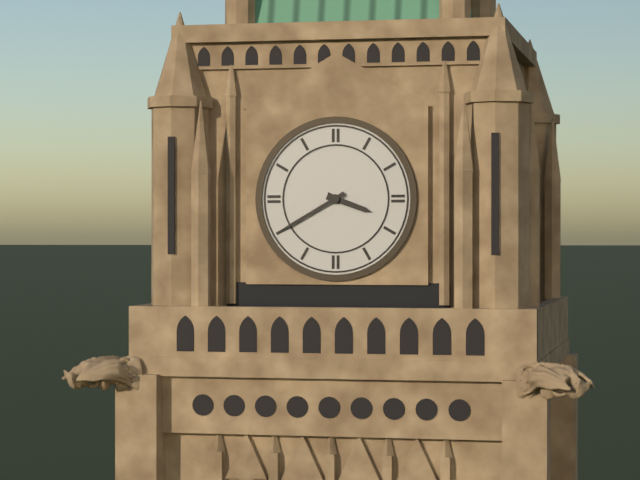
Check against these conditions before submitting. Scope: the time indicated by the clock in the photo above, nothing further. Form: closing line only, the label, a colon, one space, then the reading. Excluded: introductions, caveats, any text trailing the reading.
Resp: 3:40
